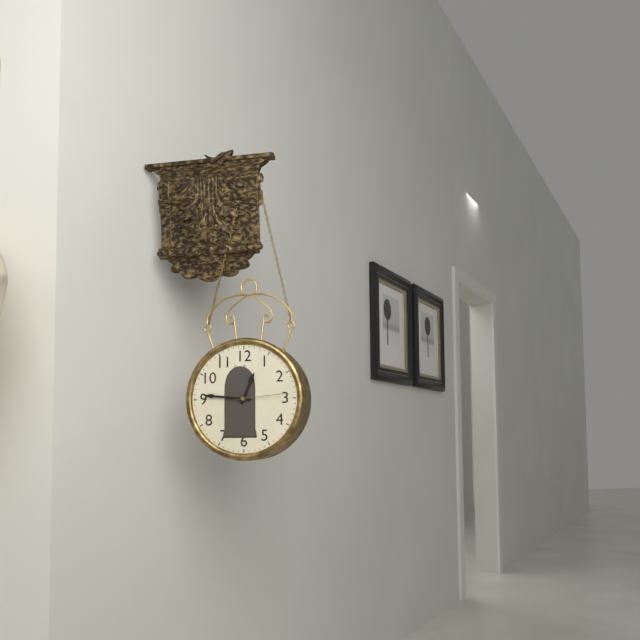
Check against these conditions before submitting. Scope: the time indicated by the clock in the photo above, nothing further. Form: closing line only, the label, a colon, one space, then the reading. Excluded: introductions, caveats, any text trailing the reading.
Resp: 12:46:14
